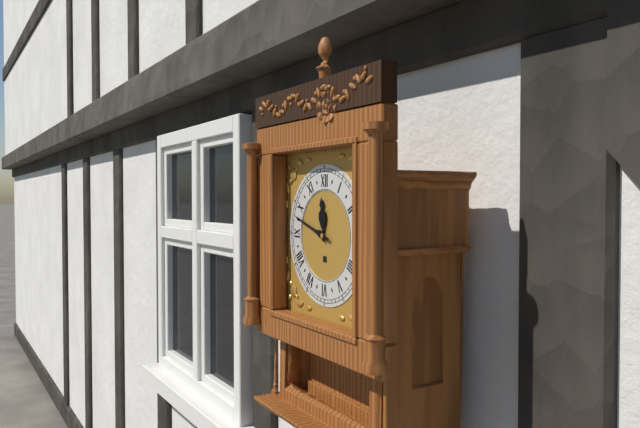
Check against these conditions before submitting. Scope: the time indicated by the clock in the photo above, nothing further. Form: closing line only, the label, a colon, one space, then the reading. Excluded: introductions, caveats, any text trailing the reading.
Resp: 11:48
